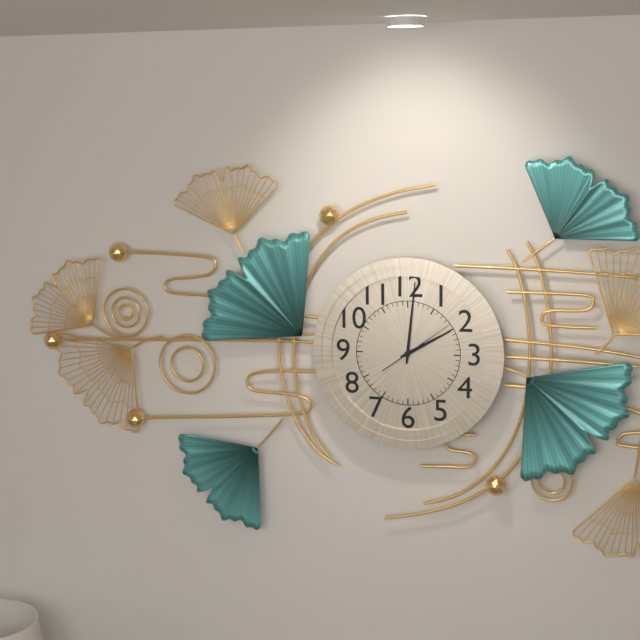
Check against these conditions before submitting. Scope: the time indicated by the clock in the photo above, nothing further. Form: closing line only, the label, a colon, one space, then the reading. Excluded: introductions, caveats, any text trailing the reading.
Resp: 2:01:09
